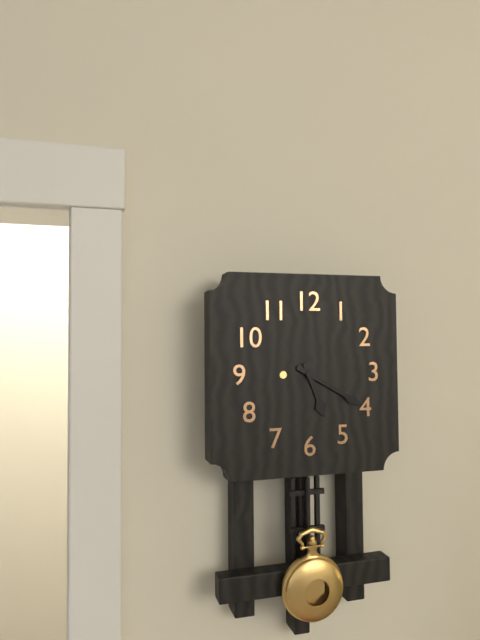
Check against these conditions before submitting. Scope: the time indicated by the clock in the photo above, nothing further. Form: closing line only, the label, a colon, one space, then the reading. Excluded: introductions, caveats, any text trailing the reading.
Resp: 5:20
